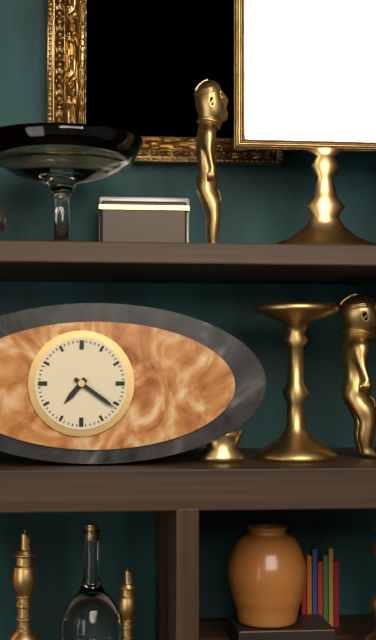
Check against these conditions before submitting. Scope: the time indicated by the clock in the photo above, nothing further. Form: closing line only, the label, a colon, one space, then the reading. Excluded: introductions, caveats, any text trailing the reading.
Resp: 7:21
